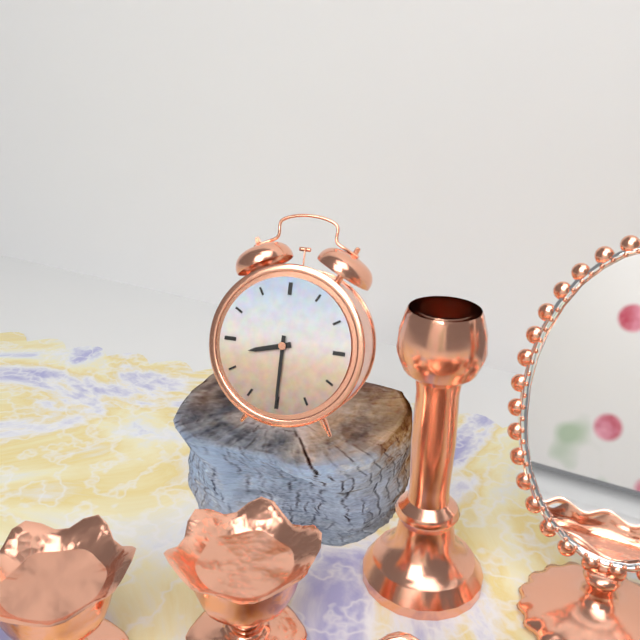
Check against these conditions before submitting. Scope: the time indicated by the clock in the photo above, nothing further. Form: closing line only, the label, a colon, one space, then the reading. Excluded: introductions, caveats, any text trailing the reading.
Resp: 8:30
